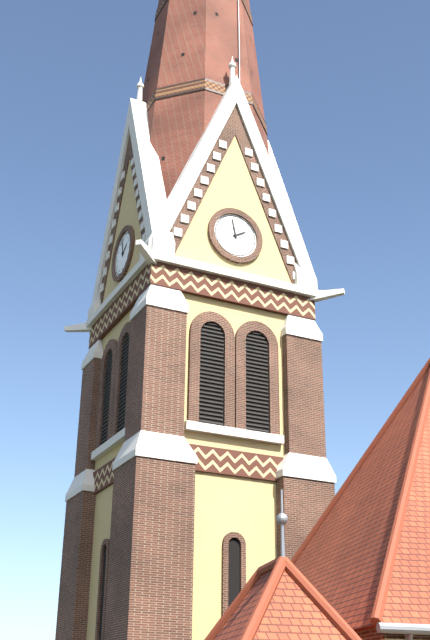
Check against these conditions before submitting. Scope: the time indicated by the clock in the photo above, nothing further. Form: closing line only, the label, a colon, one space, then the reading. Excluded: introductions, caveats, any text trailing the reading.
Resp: 1:58
